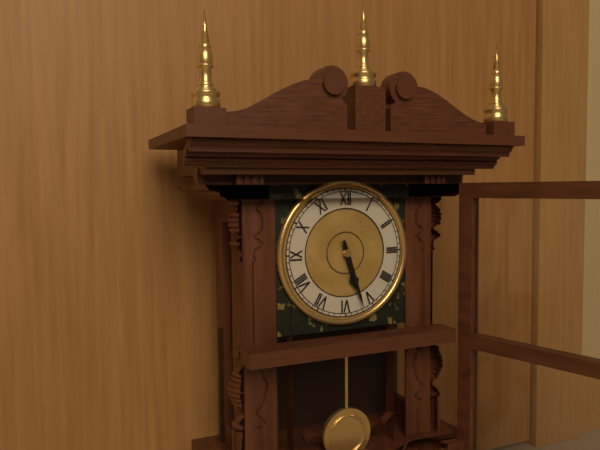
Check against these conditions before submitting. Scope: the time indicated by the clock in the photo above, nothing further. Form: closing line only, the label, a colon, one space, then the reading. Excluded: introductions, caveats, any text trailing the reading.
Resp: 5:27
